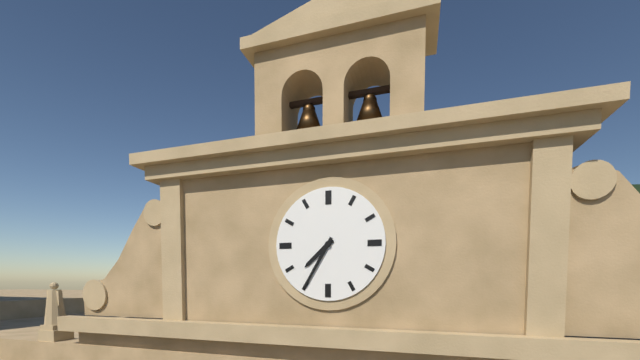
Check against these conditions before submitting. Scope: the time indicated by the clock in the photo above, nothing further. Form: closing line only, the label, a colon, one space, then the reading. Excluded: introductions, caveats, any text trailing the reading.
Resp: 7:35
